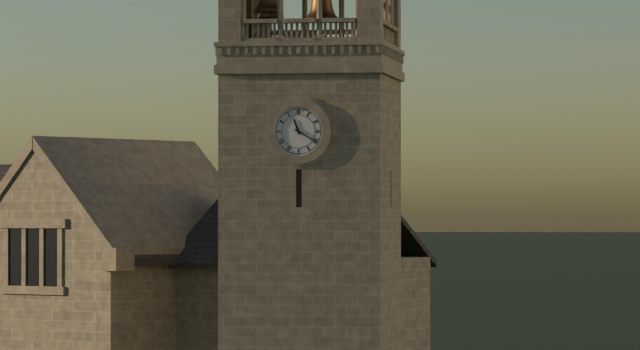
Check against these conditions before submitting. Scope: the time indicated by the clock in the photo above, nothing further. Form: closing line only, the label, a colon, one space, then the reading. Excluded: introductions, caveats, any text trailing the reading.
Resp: 11:20
